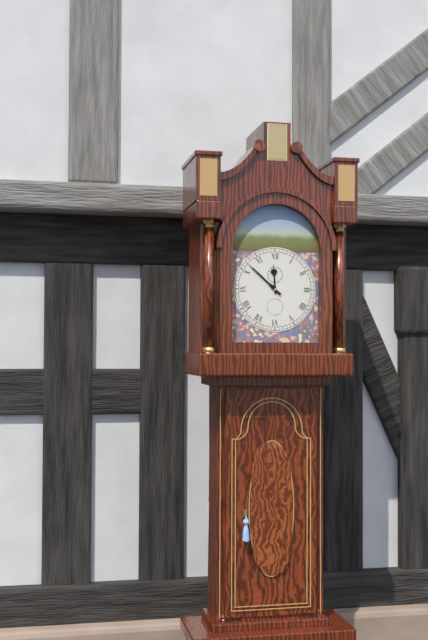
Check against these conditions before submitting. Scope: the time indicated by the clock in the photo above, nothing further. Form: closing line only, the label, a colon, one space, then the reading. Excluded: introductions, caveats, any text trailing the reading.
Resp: 11:52
